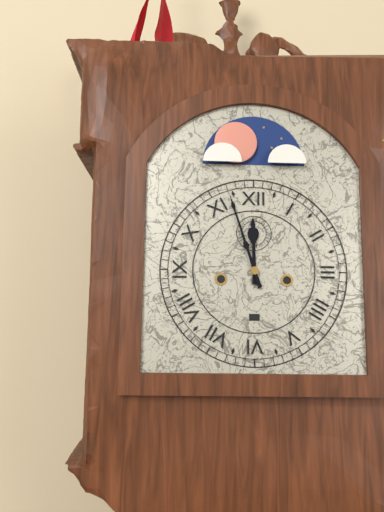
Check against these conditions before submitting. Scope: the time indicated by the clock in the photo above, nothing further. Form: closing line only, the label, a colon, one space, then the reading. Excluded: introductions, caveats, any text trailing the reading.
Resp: 11:57
